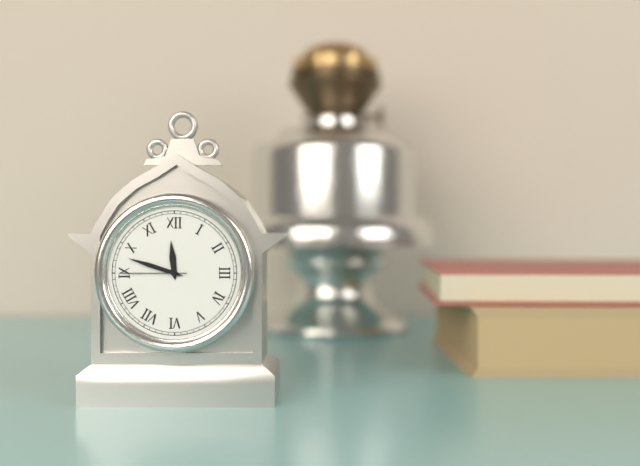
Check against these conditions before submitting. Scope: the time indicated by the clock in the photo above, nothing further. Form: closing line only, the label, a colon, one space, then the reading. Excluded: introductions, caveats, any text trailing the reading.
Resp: 11:48:45
